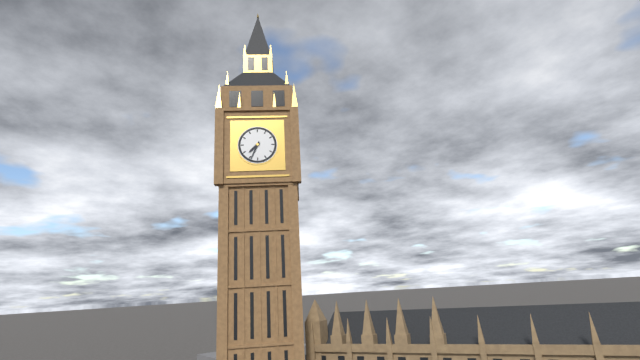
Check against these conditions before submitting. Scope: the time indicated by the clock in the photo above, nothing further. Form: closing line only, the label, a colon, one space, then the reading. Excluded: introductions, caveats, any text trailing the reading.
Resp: 7:34
